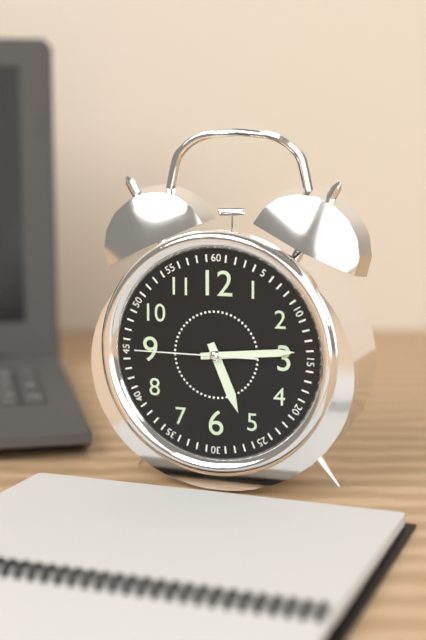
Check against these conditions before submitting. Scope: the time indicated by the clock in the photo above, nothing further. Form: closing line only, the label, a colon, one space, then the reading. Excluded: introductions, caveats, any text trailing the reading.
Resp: 5:14:45
